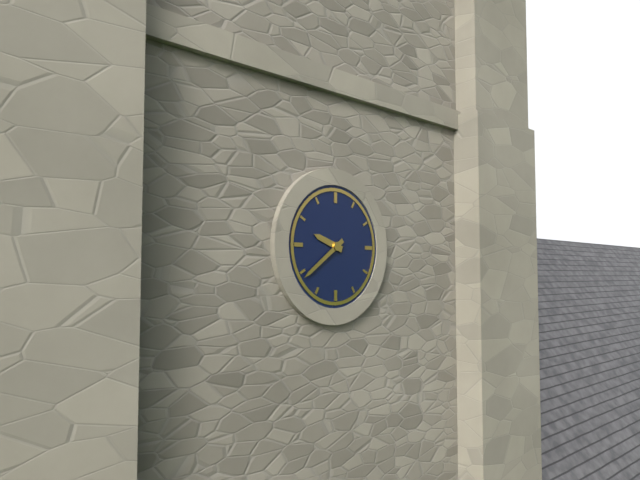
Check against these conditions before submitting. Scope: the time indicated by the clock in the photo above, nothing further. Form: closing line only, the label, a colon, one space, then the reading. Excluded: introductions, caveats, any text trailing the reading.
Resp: 9:39
